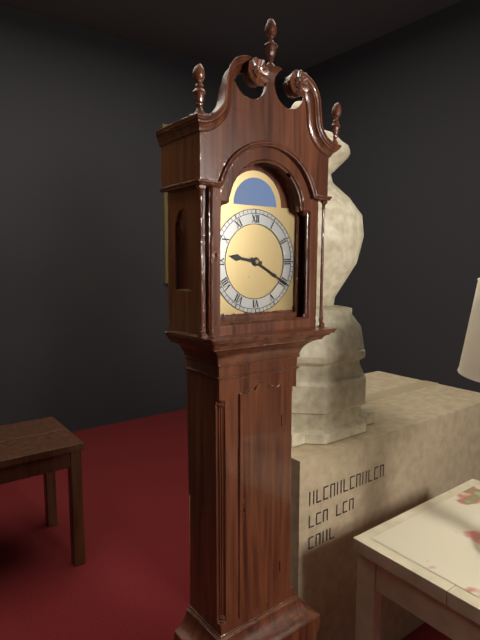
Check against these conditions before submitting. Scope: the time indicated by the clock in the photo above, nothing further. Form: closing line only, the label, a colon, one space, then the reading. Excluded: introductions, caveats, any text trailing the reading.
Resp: 9:20
